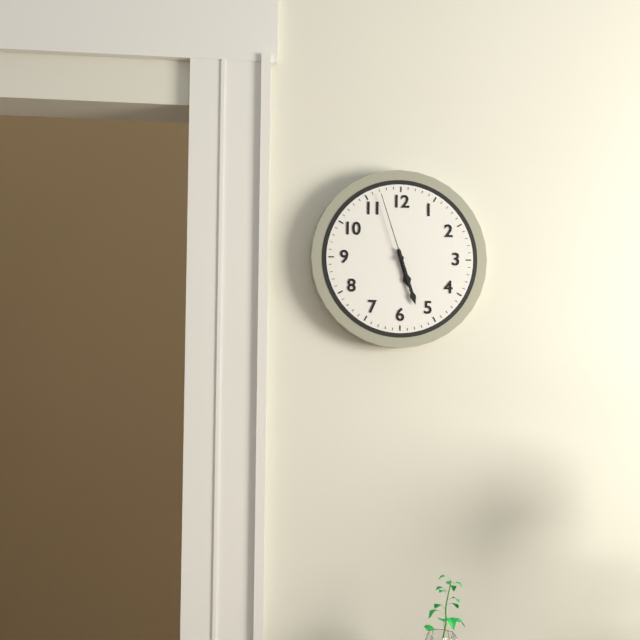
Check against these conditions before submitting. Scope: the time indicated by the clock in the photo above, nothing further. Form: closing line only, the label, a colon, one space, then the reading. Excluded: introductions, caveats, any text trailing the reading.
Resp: 5:27:57
